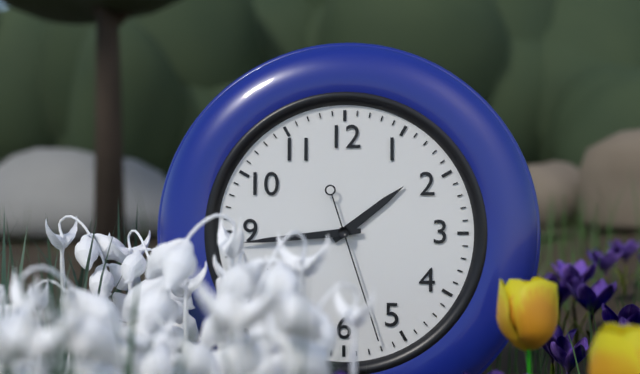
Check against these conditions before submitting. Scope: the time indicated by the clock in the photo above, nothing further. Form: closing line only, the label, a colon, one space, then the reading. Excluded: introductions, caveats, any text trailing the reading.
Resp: 1:44:27
